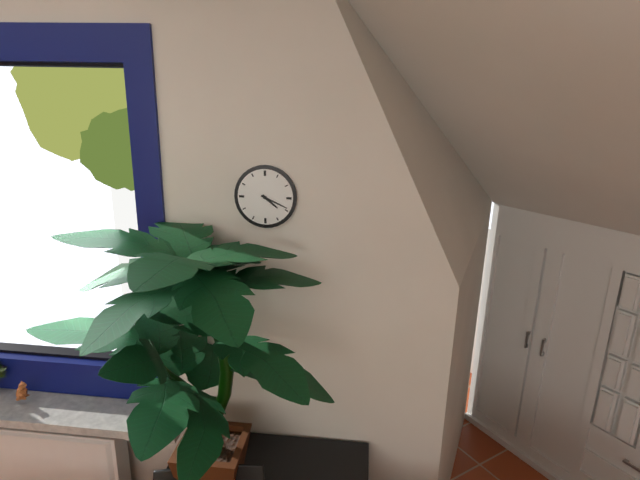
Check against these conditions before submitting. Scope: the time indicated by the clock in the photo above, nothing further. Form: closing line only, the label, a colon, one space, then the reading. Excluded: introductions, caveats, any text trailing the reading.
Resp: 4:19
